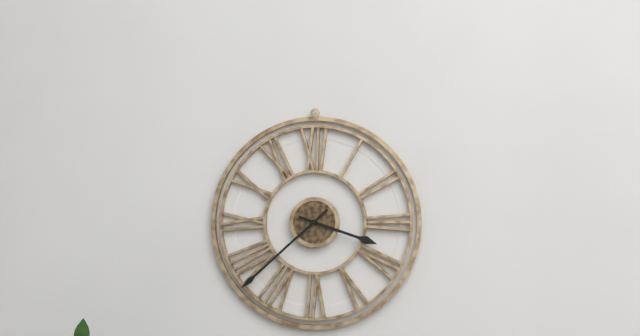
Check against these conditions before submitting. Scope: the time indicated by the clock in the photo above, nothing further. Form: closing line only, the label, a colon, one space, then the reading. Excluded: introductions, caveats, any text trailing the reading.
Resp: 3:38
